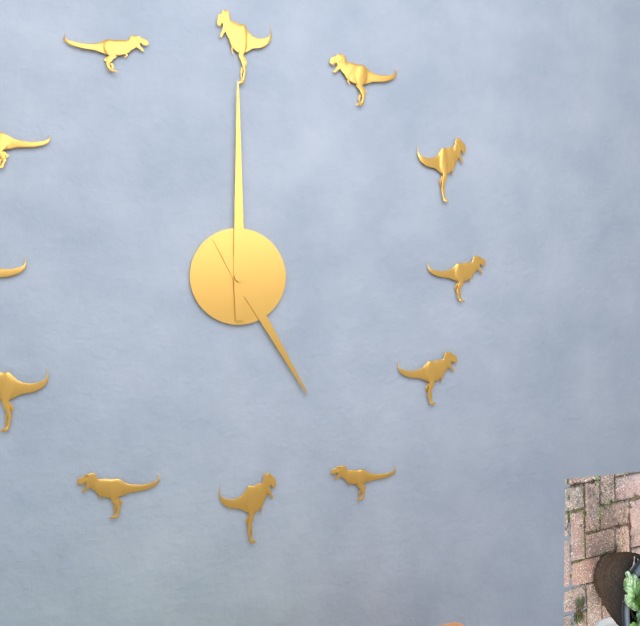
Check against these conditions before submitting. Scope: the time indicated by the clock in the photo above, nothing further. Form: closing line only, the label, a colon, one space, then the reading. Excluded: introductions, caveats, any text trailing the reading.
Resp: 5:00
